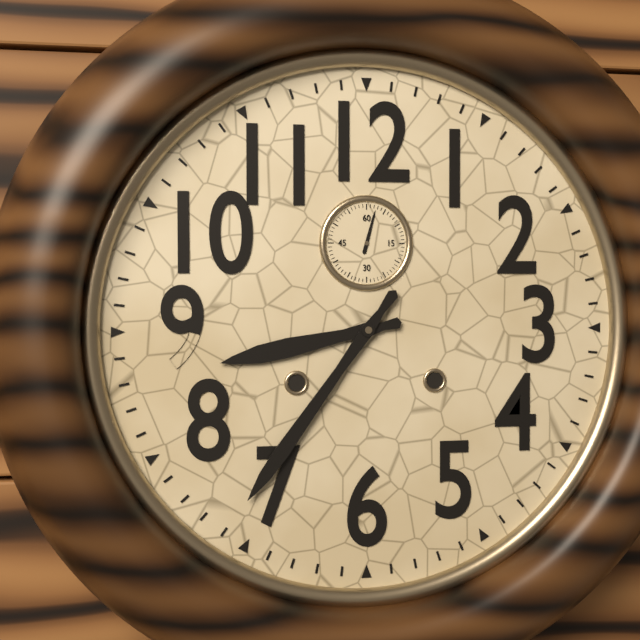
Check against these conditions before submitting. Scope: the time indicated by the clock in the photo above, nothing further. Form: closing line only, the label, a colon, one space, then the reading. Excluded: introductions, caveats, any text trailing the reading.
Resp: 8:36
